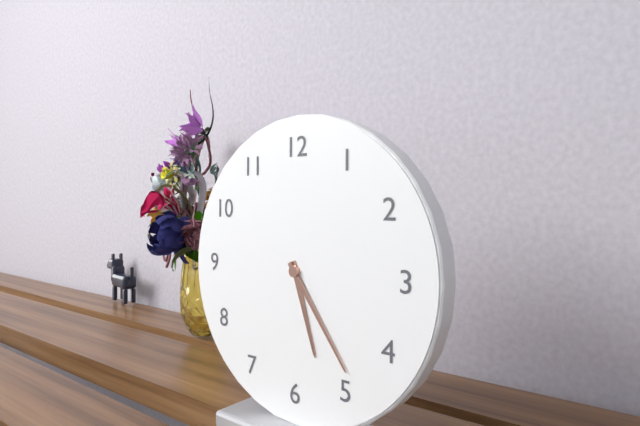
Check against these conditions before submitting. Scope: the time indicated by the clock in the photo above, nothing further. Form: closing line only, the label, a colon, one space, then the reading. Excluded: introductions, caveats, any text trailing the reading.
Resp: 5:24
